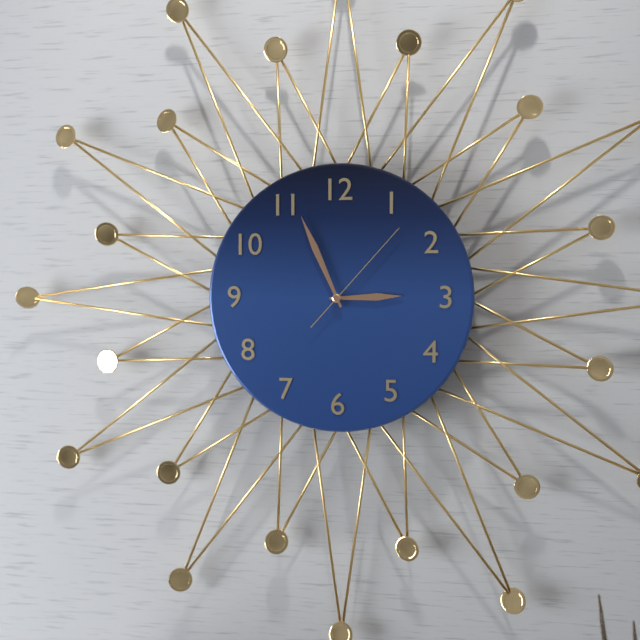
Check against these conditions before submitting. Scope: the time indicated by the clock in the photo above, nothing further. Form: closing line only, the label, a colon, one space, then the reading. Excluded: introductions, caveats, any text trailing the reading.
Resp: 2:56:07
